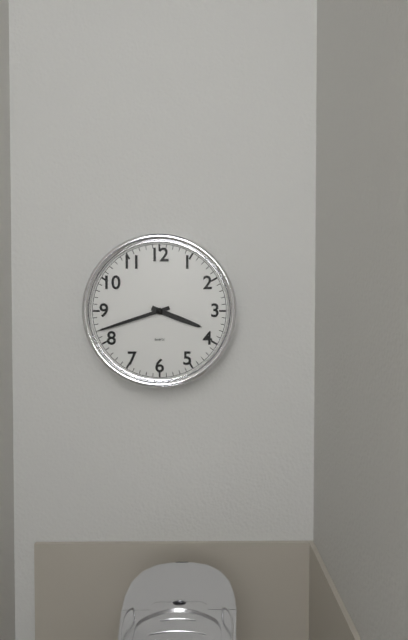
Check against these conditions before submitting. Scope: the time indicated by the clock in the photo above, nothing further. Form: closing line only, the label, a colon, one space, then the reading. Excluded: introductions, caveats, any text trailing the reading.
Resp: 3:42
